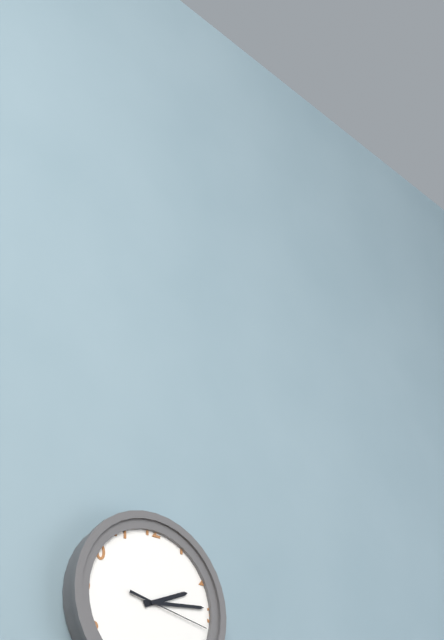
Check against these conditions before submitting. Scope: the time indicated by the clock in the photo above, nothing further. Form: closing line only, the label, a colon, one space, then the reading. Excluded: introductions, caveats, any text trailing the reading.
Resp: 2:14:17
